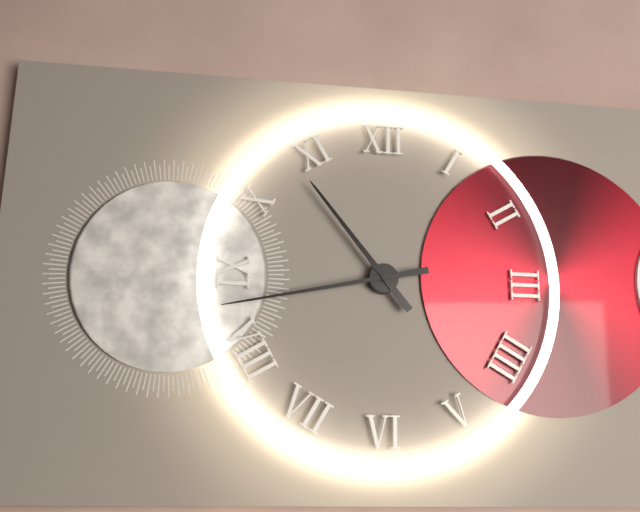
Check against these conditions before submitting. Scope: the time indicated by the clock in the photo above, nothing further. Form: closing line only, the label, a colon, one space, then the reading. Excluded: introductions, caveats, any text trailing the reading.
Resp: 10:43
